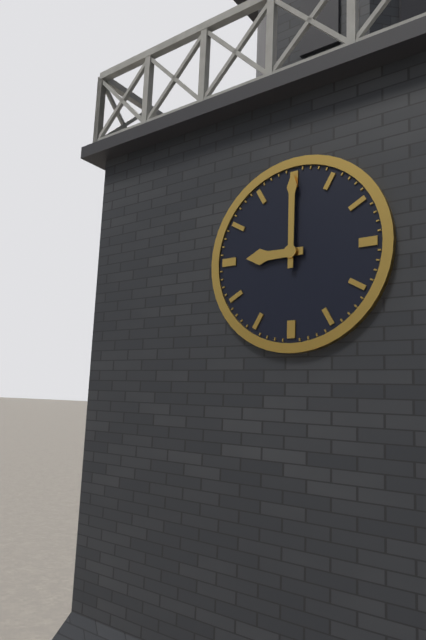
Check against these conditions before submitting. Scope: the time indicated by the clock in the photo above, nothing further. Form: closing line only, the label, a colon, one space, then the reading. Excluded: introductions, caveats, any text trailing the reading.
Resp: 9:00
